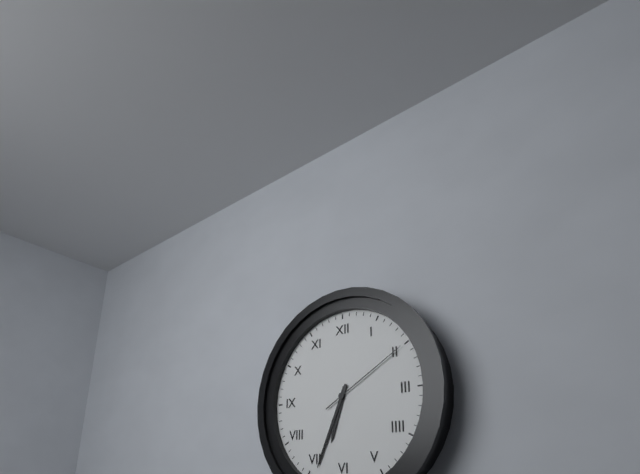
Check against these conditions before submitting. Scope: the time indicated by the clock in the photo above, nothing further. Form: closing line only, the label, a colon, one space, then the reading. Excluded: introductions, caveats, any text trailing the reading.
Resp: 6:34:10
